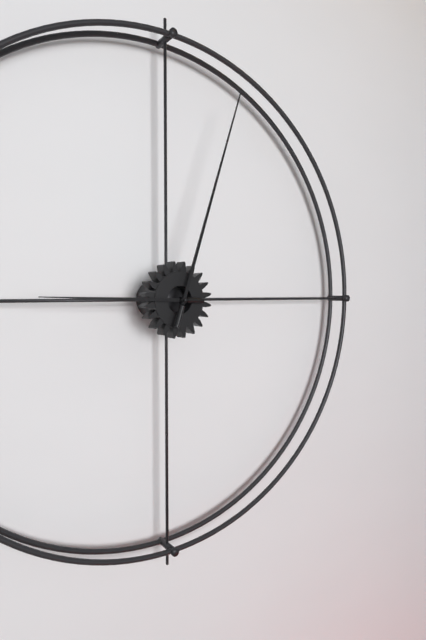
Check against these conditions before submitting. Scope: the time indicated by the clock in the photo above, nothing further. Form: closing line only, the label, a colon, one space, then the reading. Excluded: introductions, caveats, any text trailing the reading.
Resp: 9:03
